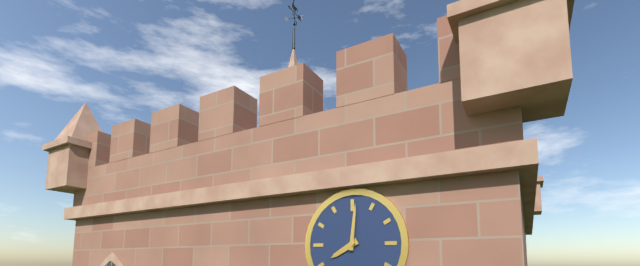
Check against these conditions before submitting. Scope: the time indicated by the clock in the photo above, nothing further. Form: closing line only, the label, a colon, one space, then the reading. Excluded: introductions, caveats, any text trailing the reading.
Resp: 8:01
